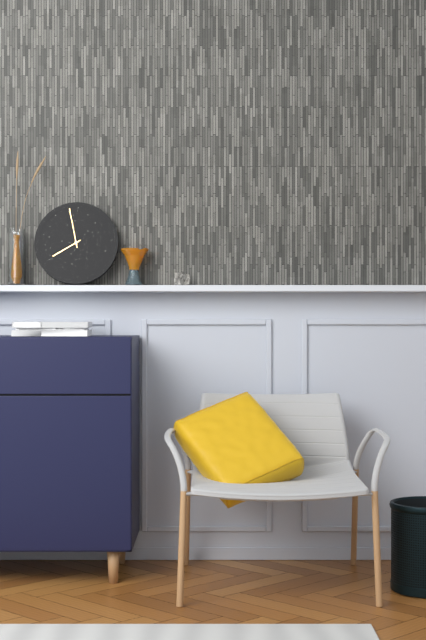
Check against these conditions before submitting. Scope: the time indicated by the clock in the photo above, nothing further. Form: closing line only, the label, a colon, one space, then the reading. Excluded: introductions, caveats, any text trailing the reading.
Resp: 7:58
